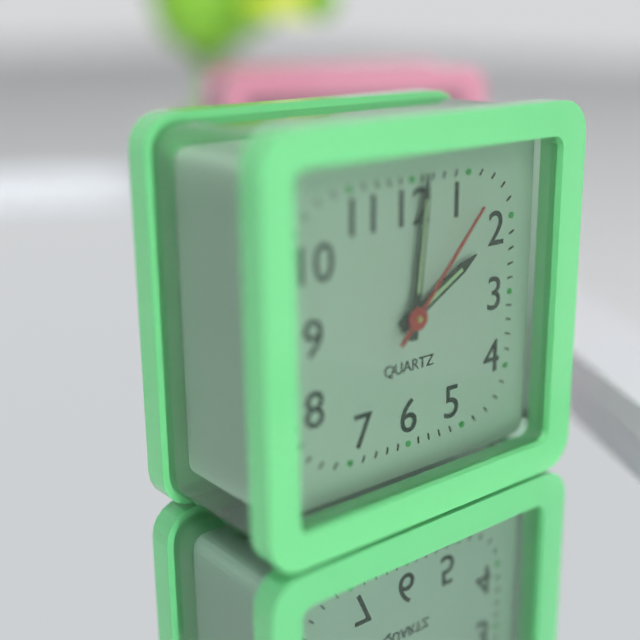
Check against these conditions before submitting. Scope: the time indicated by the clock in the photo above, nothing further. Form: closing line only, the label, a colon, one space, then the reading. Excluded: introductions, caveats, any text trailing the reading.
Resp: 2:01:07
